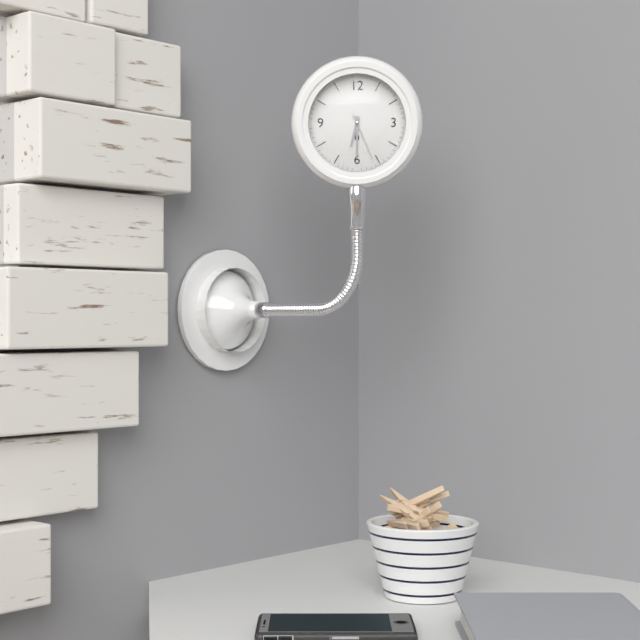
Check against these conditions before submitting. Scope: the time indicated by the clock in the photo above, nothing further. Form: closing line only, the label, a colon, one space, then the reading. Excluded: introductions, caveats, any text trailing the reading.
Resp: 6:30
